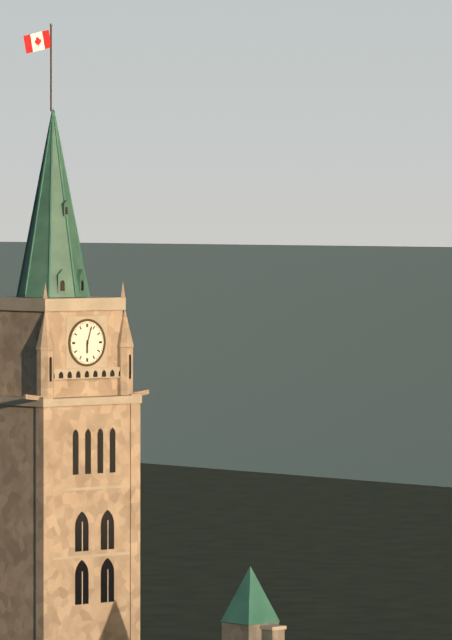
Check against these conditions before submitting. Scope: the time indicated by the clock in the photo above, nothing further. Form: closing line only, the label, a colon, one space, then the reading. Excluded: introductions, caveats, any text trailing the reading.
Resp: 6:03
